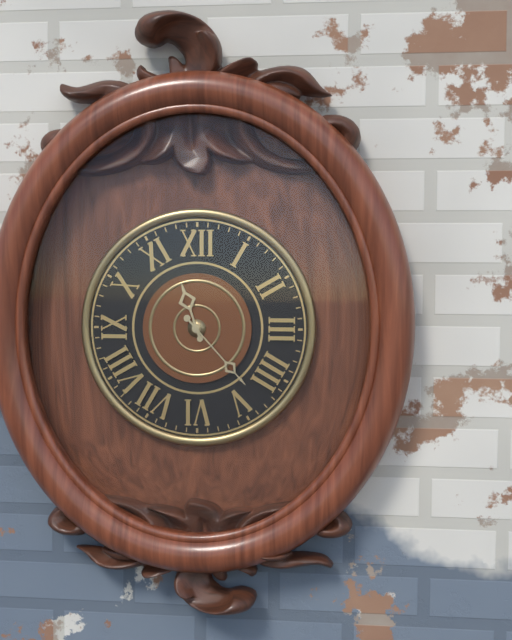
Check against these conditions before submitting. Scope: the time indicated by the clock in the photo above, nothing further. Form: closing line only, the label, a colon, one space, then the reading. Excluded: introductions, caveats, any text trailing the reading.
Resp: 11:23
